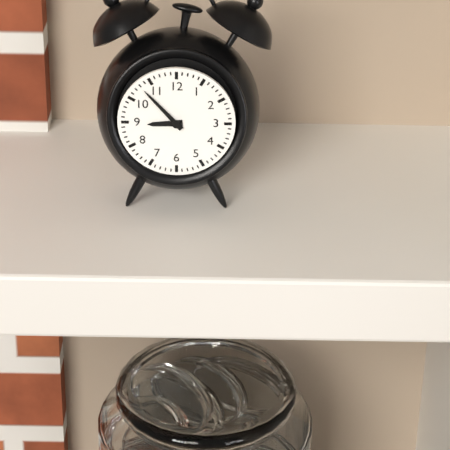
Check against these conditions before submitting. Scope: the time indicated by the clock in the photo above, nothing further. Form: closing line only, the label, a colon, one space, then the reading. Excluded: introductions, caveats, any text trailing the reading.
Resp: 8:53
